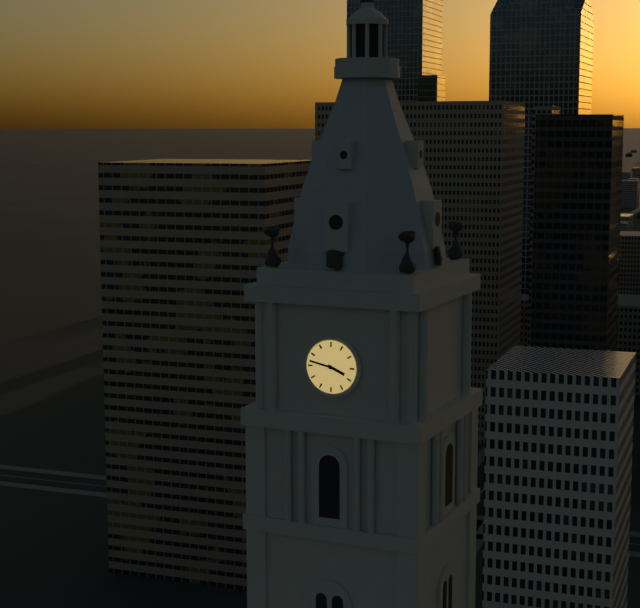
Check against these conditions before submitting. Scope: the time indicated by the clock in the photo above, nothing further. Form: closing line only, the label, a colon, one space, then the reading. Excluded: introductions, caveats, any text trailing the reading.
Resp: 3:47
